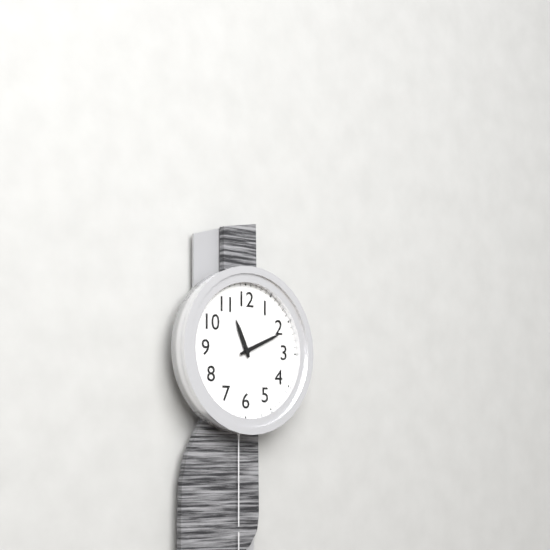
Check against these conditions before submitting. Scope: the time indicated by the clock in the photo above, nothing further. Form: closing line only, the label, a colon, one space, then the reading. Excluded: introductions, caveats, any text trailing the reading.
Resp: 11:11
